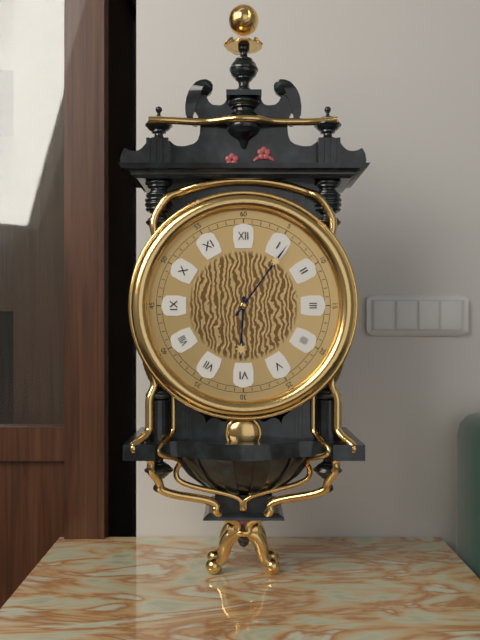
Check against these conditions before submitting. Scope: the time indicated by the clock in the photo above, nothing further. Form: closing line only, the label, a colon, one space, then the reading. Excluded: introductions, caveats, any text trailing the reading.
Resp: 6:06
